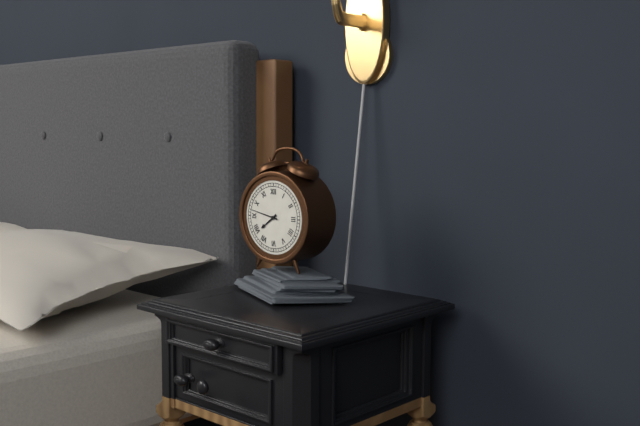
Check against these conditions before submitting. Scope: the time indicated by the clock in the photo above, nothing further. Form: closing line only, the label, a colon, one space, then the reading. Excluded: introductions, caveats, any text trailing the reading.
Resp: 7:47
